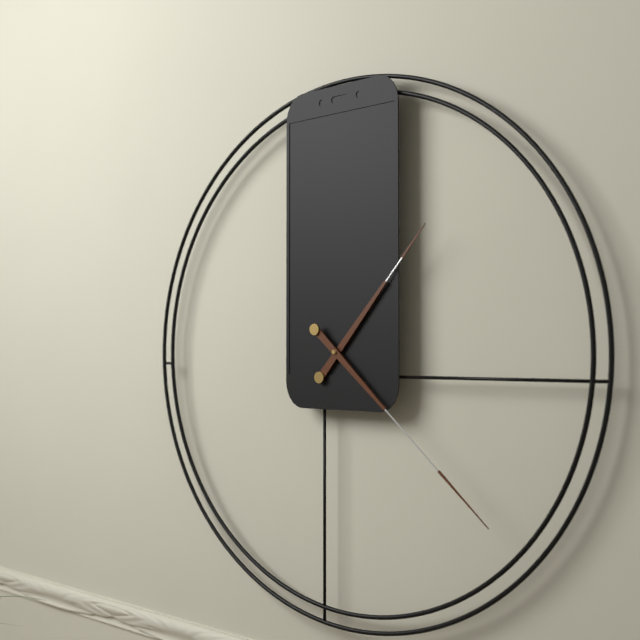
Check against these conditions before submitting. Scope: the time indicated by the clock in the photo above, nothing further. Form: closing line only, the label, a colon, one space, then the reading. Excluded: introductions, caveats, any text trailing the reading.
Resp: 1:22
